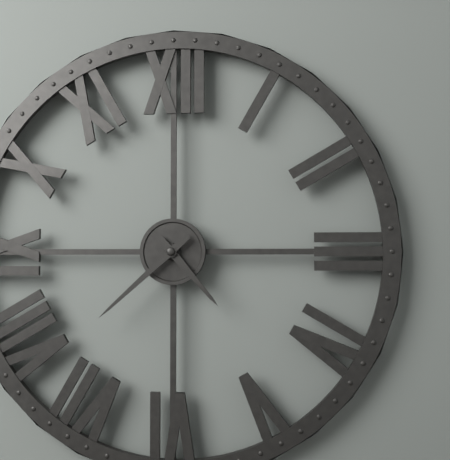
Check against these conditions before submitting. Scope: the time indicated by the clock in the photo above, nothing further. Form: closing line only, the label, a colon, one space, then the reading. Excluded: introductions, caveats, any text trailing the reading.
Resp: 4:38
